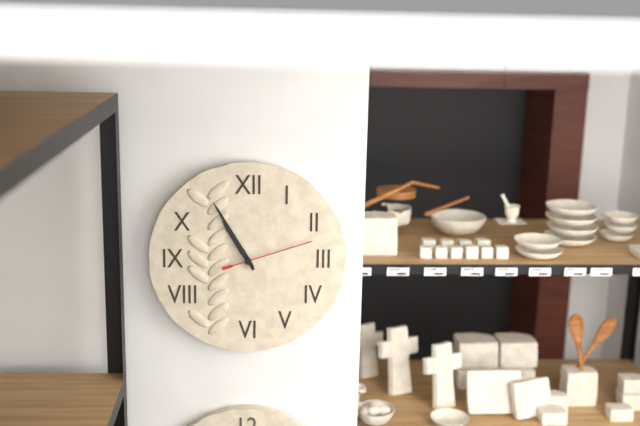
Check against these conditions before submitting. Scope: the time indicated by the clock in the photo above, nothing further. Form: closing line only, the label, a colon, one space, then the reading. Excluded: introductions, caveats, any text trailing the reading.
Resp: 10:55:12
